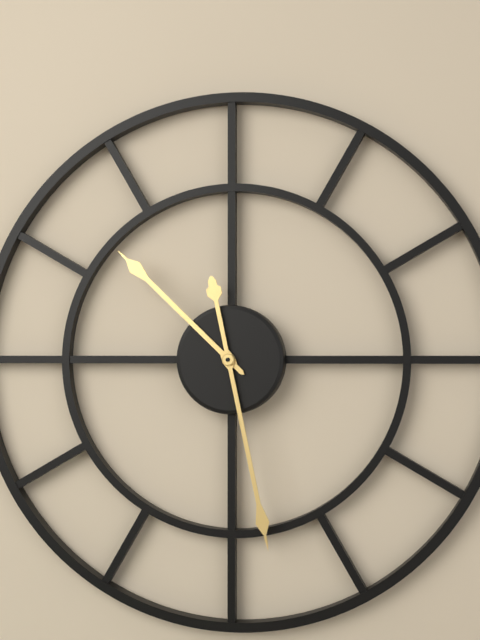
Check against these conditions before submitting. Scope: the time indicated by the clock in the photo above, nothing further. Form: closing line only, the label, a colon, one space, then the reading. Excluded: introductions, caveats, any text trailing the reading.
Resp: 10:28
